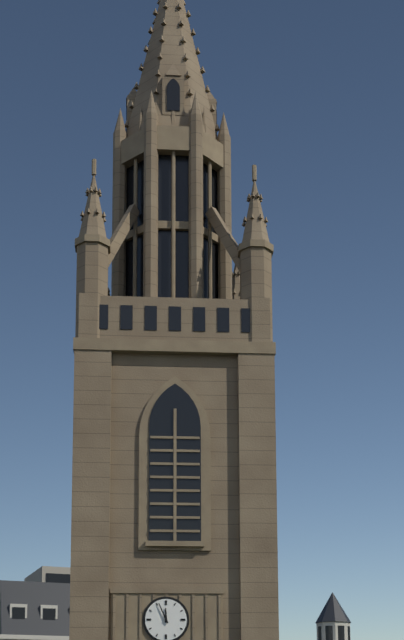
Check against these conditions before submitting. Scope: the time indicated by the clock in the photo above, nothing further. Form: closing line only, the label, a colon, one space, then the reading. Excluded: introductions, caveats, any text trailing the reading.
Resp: 11:56
